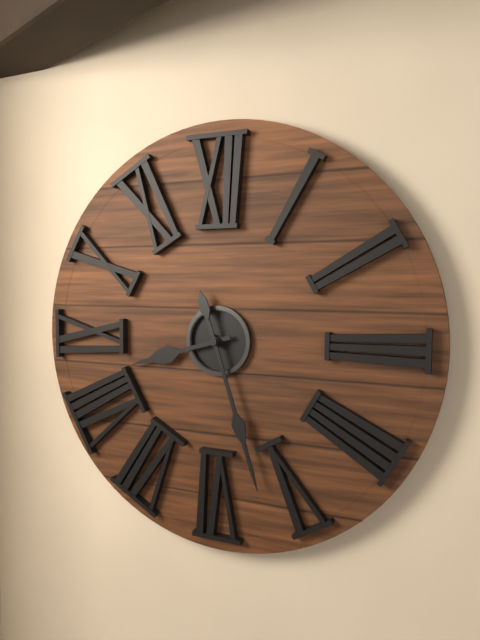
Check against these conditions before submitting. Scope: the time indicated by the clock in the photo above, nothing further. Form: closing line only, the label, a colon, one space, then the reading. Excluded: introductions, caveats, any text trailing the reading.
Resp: 8:27
